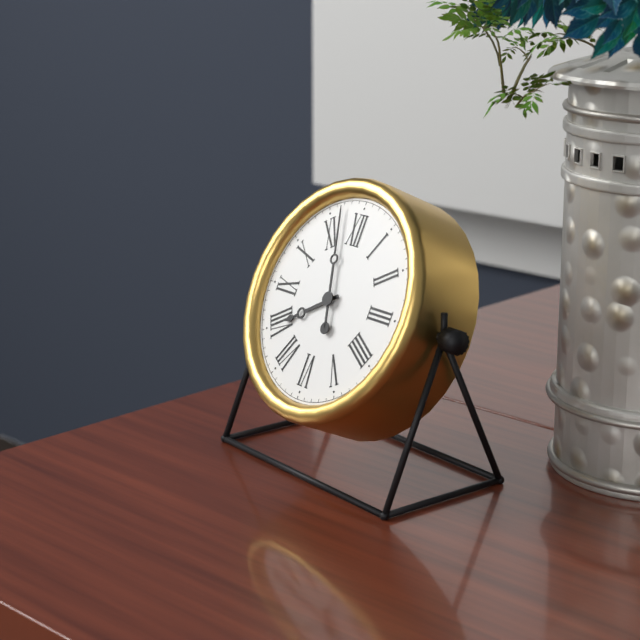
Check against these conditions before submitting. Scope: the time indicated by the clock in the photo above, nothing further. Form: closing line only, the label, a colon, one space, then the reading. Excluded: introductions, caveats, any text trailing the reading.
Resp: 7:57
